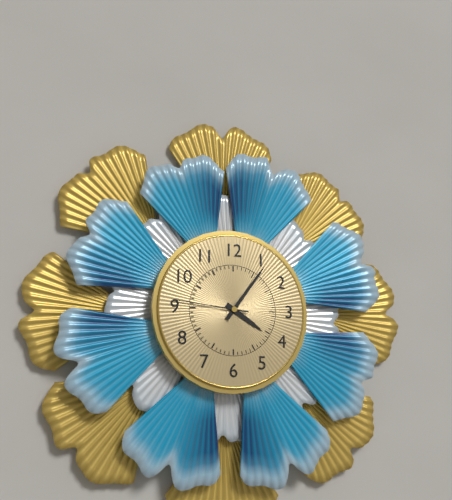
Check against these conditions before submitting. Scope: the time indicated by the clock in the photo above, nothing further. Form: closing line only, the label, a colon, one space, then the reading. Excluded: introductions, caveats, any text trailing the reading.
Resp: 4:06:46
